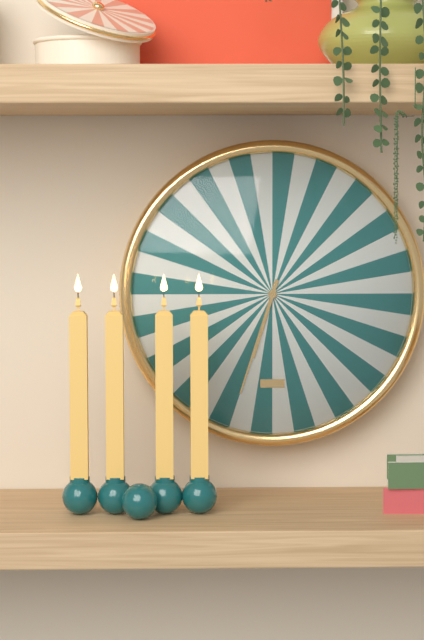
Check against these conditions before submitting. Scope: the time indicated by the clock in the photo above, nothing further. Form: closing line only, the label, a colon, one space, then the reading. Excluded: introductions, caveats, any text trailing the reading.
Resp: 6:33
